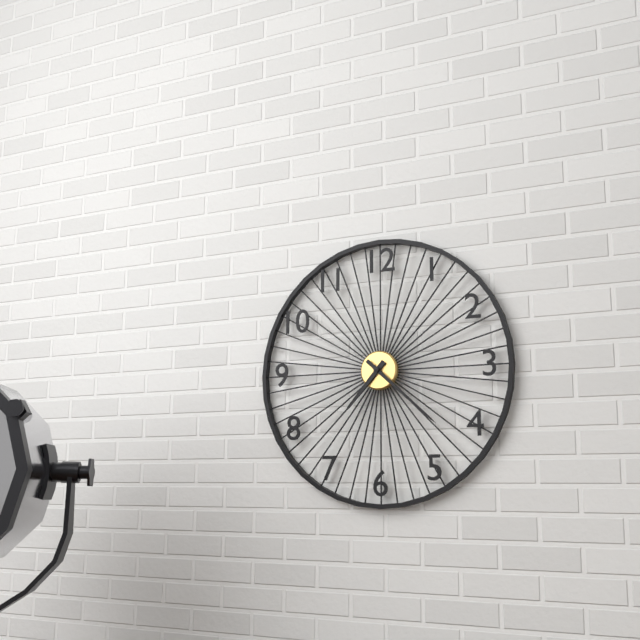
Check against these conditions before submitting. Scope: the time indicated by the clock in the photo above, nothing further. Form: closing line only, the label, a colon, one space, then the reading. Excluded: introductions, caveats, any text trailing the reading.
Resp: 7:22
